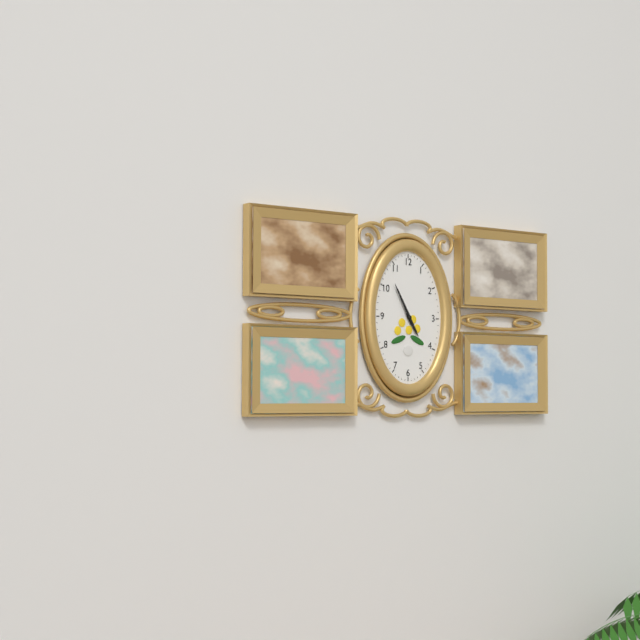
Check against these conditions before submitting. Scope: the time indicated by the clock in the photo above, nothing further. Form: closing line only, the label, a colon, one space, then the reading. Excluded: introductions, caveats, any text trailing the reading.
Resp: 4:55
